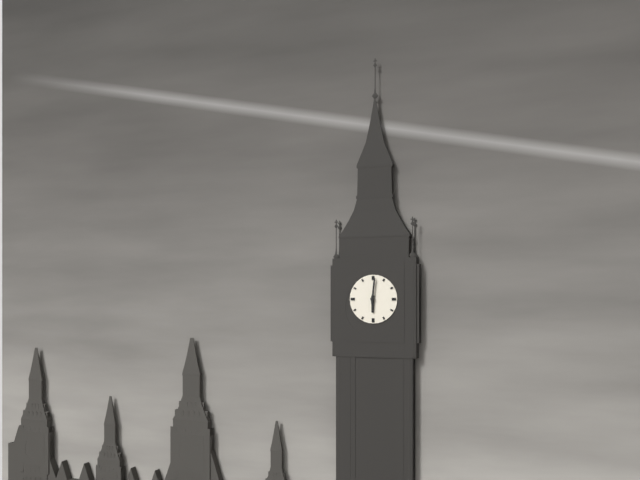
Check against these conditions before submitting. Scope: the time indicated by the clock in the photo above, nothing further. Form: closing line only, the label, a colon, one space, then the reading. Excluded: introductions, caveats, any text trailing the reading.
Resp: 6:01
